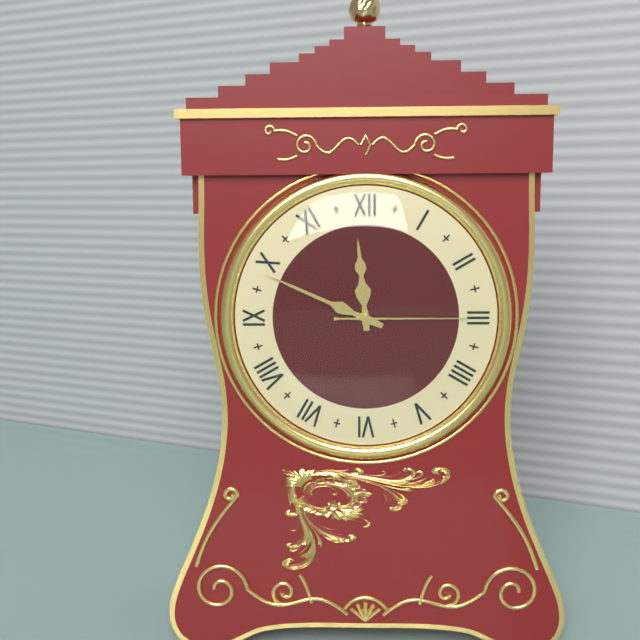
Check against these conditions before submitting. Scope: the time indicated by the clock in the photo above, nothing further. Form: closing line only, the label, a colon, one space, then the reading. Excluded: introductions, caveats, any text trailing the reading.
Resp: 11:49:15
